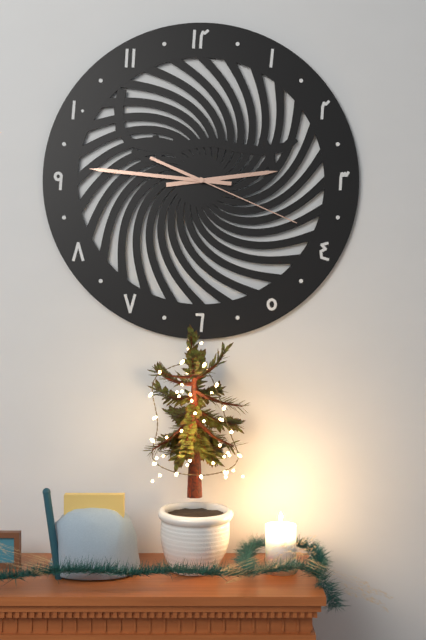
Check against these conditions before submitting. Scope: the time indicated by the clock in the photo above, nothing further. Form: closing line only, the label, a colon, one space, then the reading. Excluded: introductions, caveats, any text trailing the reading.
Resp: 2:46:19
